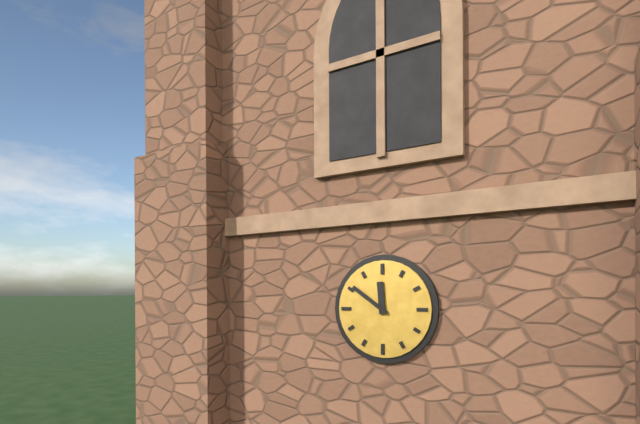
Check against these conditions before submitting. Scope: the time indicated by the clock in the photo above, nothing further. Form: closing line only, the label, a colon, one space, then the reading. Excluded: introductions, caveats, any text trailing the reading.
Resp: 11:51
